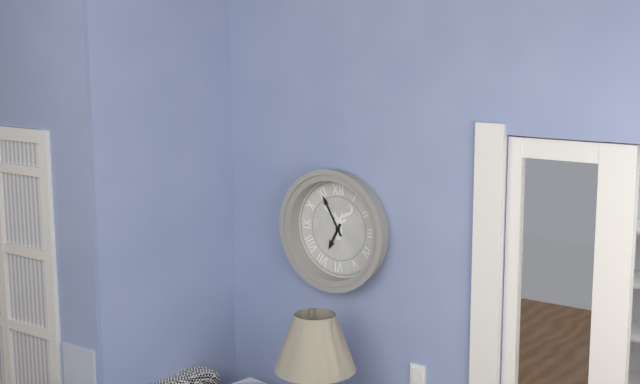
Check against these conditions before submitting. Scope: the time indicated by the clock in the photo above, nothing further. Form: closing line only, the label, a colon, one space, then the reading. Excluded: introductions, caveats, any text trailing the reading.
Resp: 6:55
